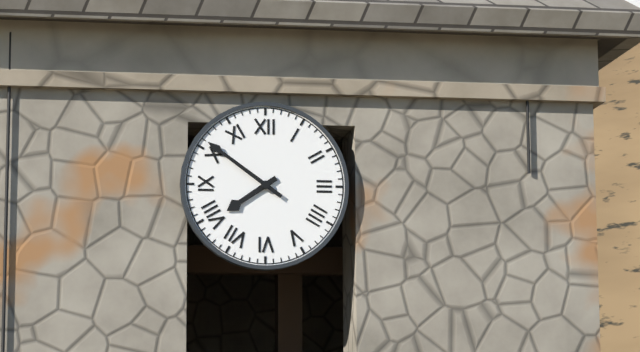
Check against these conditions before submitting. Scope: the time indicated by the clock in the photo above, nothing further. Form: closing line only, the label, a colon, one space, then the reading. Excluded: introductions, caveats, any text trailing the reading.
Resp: 7:51
